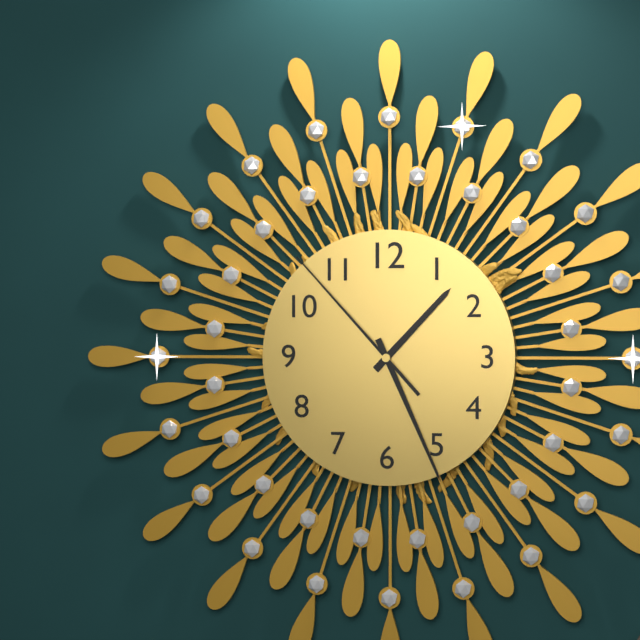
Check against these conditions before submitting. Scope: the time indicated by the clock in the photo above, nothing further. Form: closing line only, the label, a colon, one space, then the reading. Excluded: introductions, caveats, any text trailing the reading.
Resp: 1:26:53
